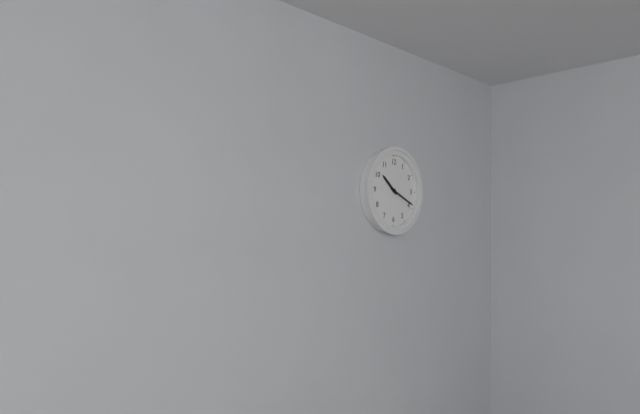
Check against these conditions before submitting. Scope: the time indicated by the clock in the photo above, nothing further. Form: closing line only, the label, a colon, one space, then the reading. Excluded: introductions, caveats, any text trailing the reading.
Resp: 10:19
